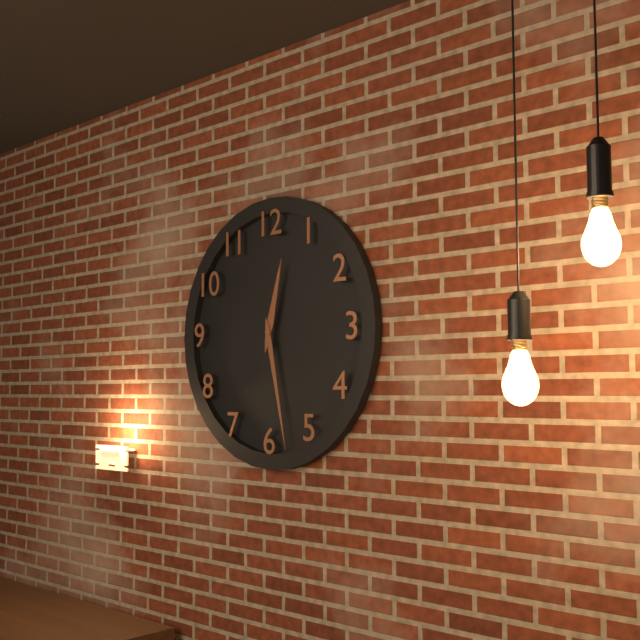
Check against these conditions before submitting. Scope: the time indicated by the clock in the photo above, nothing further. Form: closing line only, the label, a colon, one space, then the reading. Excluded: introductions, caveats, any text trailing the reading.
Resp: 12:28
